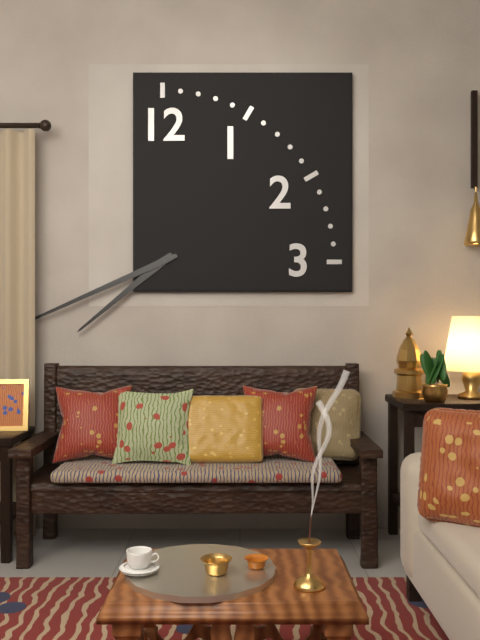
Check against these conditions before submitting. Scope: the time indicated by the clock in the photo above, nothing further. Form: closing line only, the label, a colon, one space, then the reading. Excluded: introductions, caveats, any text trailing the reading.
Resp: 7:41
